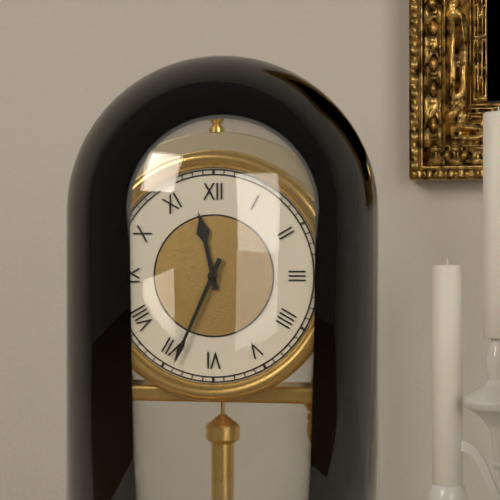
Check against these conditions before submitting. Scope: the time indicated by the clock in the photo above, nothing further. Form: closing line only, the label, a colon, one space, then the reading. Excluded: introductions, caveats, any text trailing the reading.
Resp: 11:34
